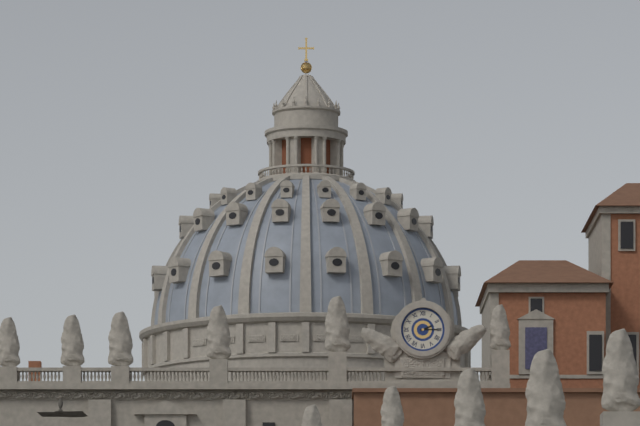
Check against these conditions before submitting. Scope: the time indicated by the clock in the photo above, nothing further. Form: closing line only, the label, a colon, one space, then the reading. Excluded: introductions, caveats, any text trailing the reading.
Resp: 2:15
